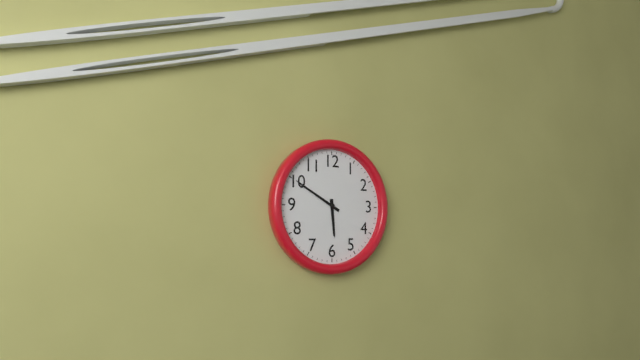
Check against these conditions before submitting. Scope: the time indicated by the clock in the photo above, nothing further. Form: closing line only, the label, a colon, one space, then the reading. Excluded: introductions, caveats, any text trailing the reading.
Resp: 5:50
